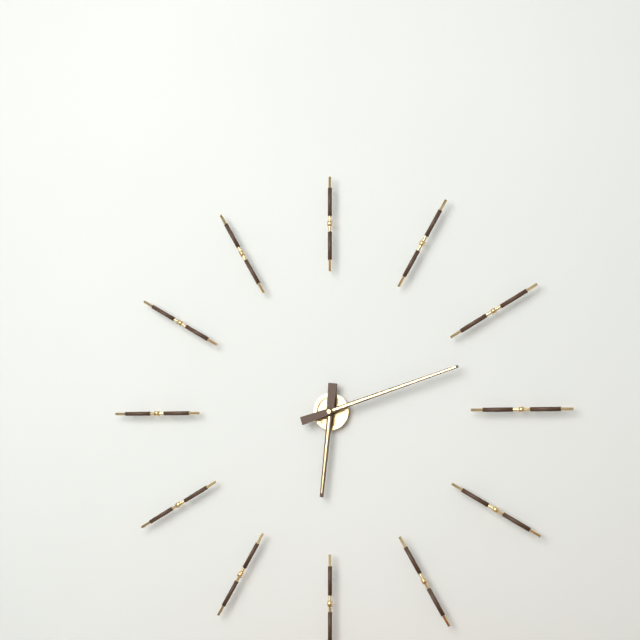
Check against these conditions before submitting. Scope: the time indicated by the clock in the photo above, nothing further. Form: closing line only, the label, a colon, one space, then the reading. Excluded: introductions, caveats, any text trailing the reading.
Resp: 6:12
